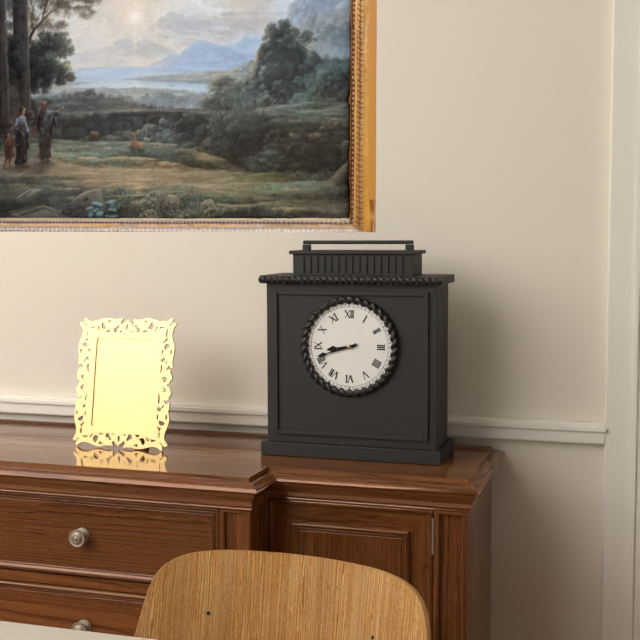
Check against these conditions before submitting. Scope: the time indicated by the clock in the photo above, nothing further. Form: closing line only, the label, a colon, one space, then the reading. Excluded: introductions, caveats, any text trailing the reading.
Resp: 8:42
